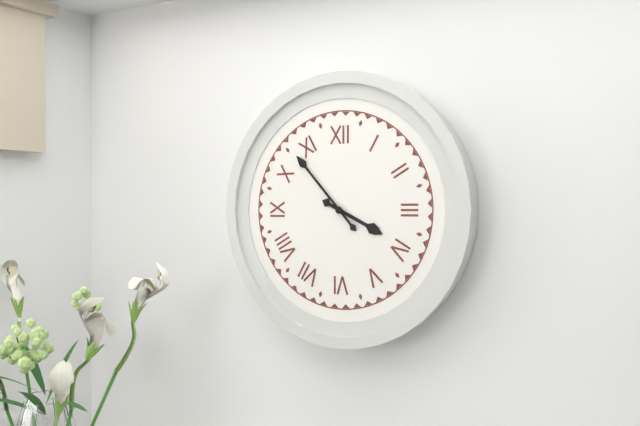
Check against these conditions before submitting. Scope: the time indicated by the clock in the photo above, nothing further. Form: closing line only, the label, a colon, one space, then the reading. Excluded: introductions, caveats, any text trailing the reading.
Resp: 3:53
